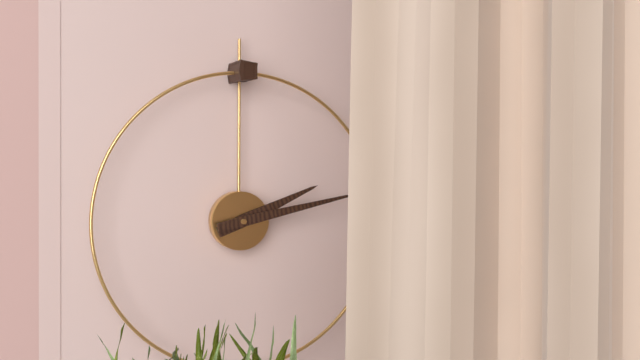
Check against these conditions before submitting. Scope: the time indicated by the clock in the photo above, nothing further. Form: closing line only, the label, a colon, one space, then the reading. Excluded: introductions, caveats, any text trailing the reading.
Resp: 2:13
